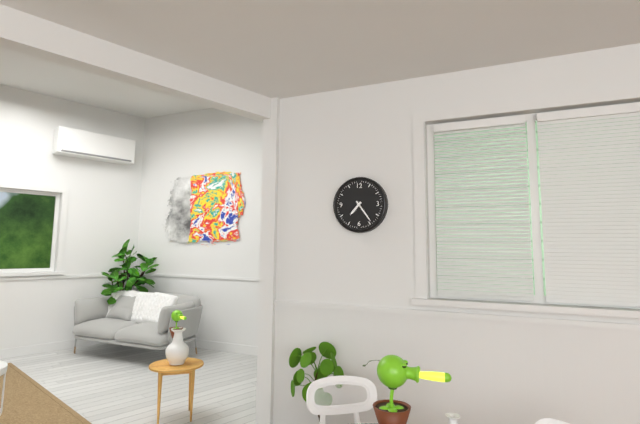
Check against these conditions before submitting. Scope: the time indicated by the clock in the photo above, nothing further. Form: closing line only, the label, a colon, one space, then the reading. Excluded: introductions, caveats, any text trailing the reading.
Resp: 7:24
